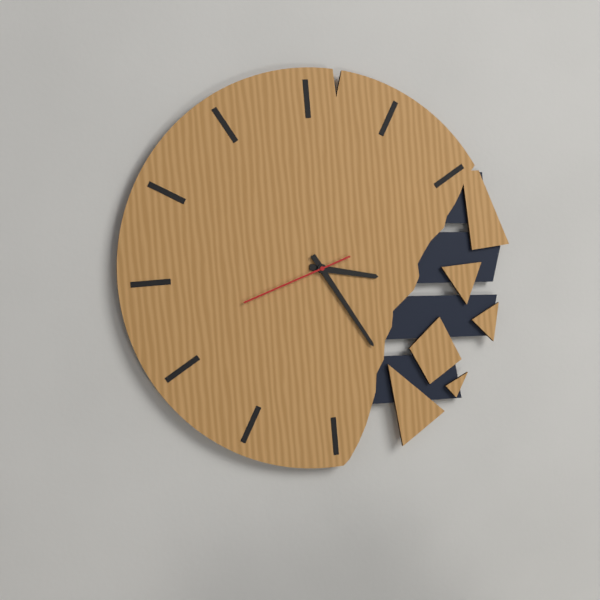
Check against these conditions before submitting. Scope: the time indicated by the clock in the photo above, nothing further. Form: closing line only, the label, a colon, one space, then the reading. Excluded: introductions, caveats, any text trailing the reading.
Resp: 3:25:42
